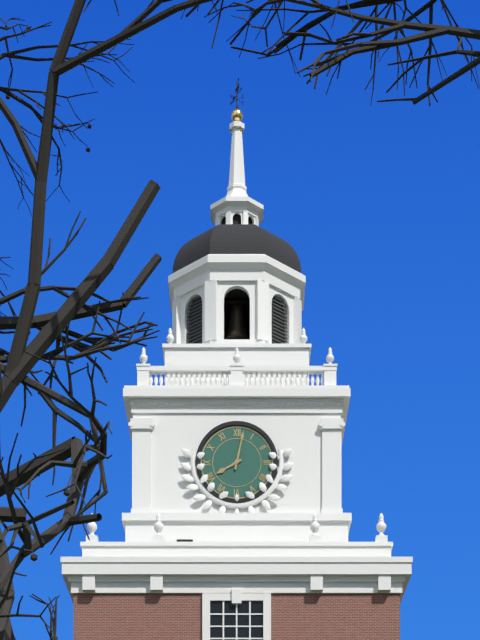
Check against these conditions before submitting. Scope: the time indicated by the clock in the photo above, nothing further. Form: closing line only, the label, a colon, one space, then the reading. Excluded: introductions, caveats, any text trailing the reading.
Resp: 8:02
